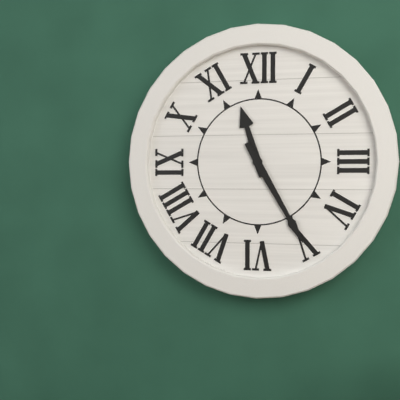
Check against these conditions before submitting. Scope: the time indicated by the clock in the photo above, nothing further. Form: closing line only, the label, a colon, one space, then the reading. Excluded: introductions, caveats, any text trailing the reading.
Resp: 11:25
